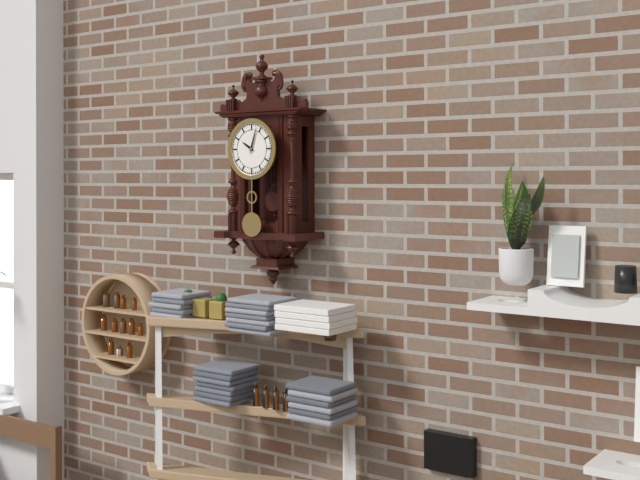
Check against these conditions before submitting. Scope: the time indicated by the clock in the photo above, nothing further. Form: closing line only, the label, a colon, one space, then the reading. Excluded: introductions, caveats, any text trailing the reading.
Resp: 10:03
